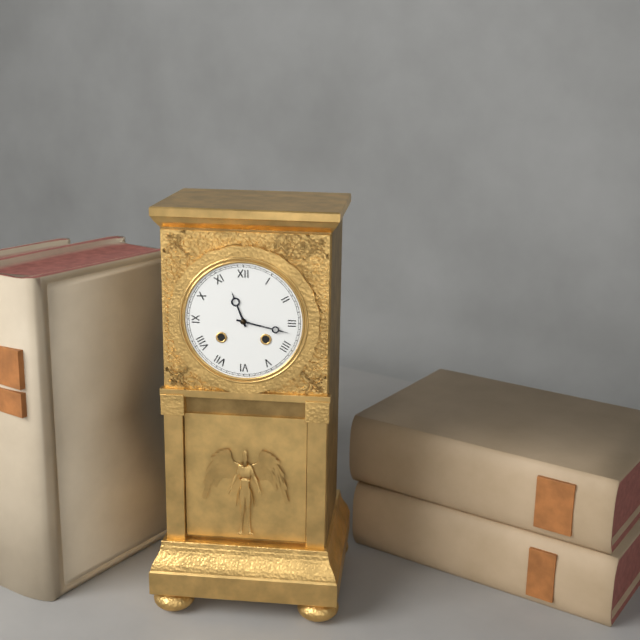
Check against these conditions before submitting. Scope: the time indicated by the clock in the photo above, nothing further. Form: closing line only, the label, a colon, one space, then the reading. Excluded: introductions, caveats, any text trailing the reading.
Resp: 11:17
